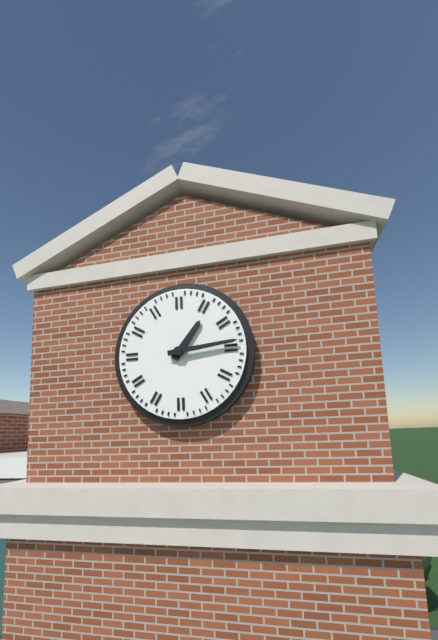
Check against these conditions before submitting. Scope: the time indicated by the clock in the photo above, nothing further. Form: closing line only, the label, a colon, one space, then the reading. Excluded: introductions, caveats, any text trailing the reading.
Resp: 1:14
